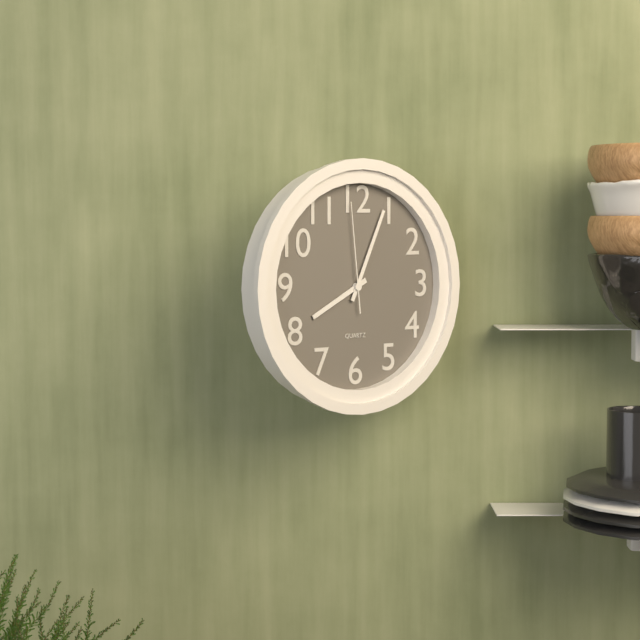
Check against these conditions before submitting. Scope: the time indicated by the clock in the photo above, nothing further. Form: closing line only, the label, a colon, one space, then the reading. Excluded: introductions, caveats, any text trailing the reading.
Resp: 8:04:59
